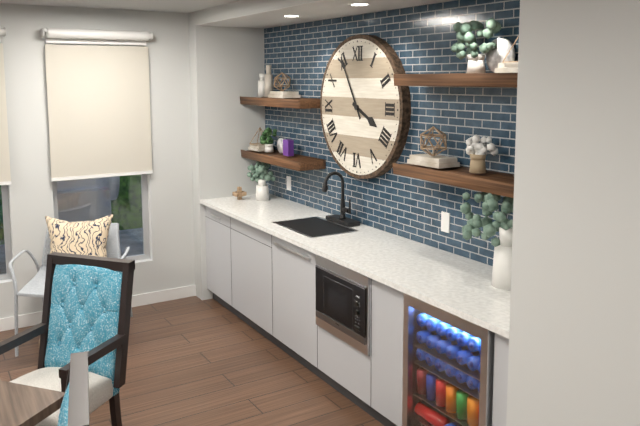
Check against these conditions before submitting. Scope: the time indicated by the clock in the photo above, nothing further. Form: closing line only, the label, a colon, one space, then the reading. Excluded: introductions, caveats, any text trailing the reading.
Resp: 3:55
